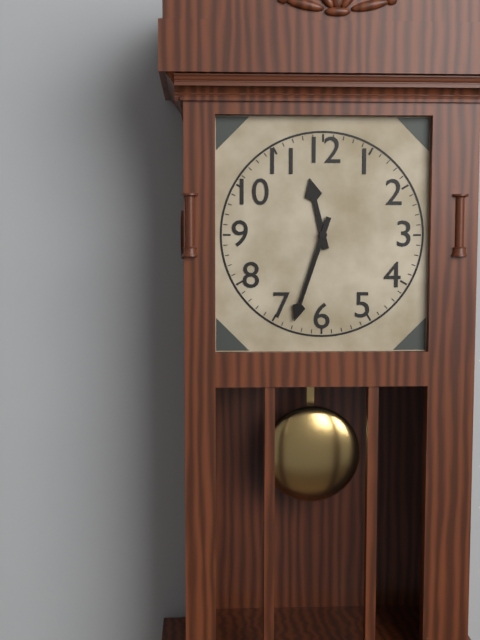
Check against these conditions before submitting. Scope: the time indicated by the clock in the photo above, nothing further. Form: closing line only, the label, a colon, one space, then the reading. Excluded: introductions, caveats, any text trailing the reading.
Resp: 11:33
